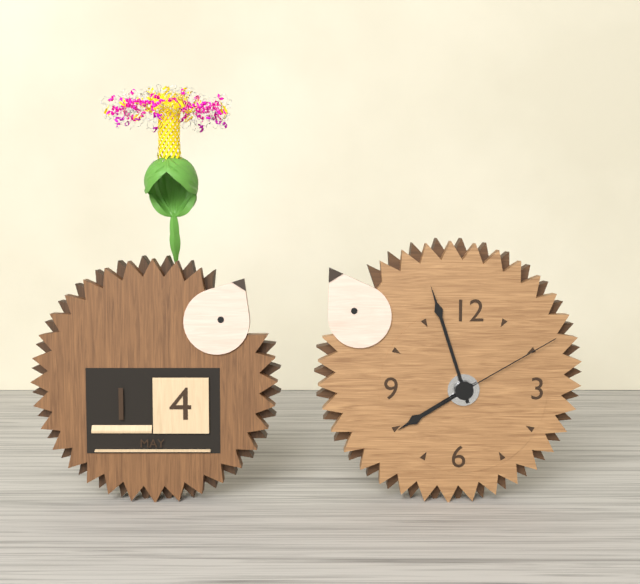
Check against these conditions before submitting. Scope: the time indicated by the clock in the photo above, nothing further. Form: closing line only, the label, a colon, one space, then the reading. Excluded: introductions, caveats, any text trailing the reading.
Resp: 7:57:10
